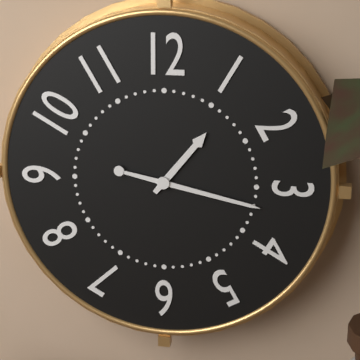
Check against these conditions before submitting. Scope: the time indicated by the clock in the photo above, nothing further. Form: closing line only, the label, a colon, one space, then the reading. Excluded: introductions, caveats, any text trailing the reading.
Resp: 1:17
